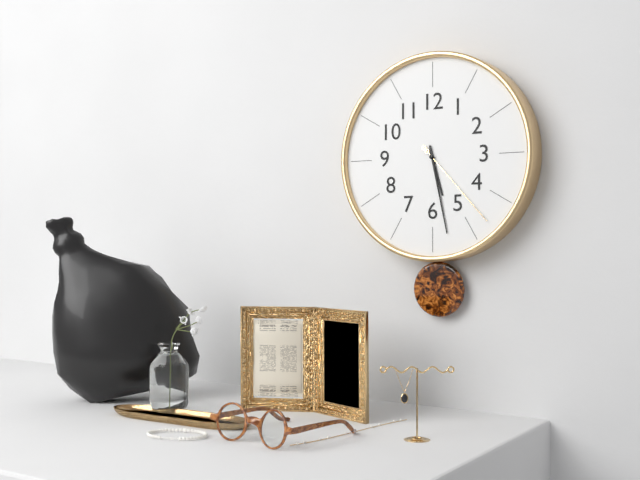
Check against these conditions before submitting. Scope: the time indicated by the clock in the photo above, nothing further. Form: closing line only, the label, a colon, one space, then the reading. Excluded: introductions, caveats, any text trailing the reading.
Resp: 5:28:23
